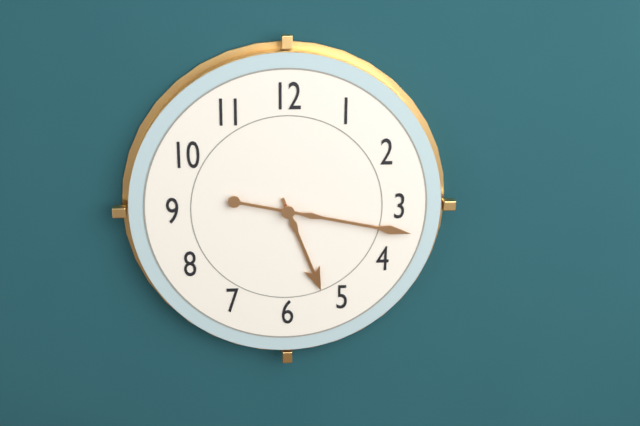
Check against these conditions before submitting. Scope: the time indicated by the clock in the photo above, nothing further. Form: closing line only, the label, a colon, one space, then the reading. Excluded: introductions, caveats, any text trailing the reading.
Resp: 5:17
